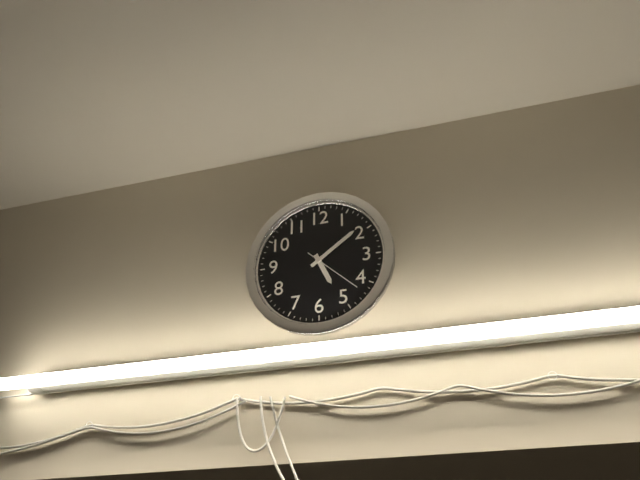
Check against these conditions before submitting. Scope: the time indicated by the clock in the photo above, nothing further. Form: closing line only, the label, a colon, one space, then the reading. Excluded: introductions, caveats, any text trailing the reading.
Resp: 5:09:22
